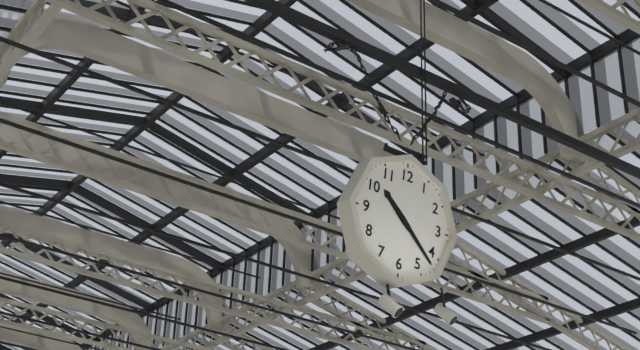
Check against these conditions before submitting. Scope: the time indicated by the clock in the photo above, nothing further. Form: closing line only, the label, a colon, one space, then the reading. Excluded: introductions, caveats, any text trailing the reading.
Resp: 10:22
